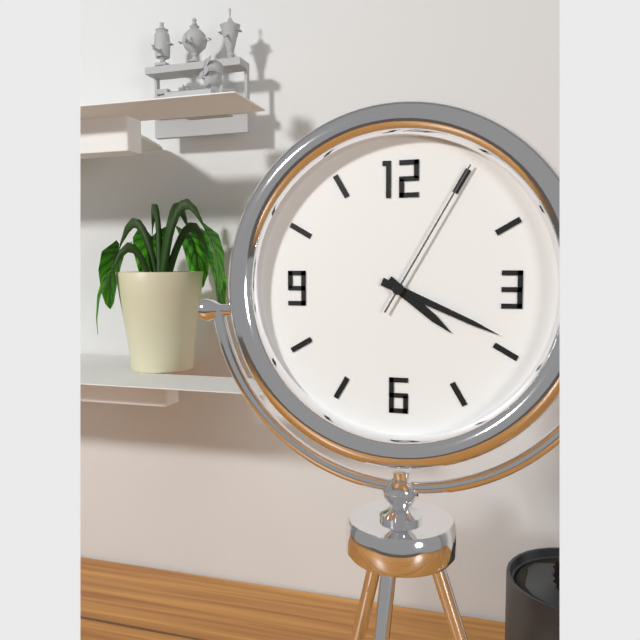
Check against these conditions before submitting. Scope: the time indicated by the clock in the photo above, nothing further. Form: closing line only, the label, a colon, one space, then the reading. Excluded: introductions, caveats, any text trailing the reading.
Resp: 4:19:05
